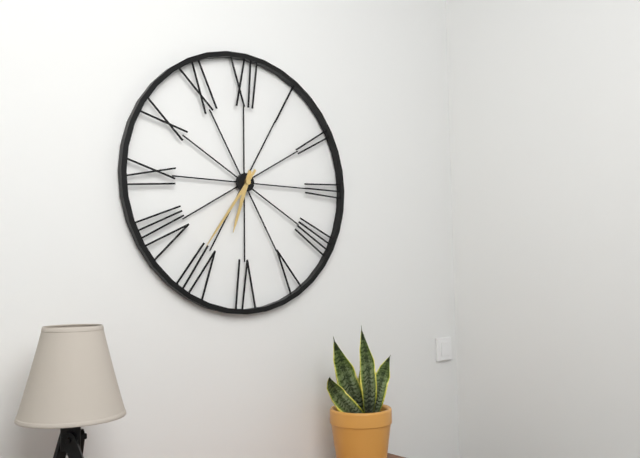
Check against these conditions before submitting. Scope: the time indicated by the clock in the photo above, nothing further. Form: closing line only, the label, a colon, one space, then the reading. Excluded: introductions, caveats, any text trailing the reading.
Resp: 6:36
